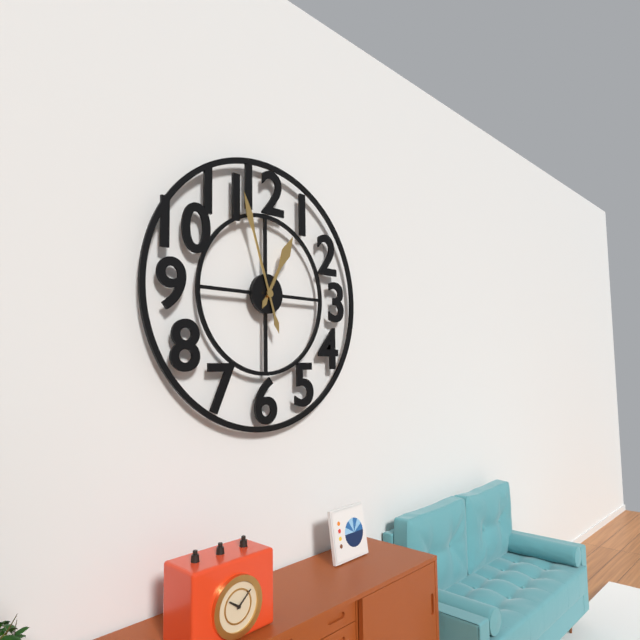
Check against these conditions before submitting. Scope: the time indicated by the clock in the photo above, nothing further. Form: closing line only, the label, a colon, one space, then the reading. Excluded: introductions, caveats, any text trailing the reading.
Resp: 12:57
